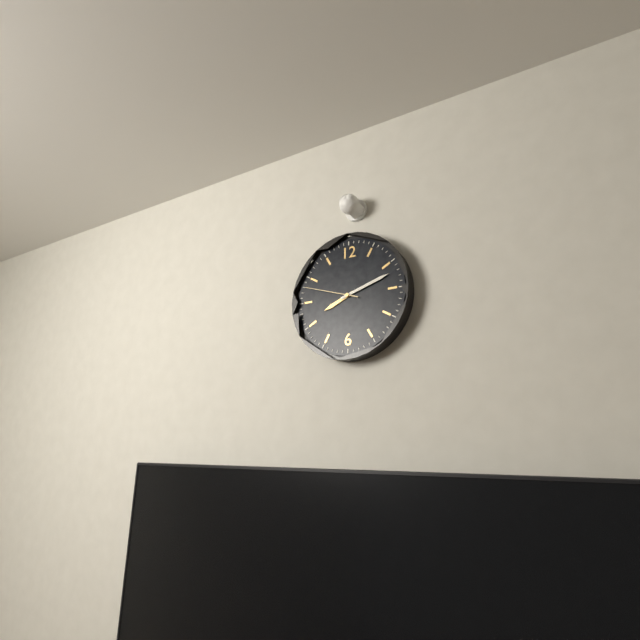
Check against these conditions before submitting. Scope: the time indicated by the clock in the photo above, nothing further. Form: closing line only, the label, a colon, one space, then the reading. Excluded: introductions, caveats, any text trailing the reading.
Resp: 8:12:48
